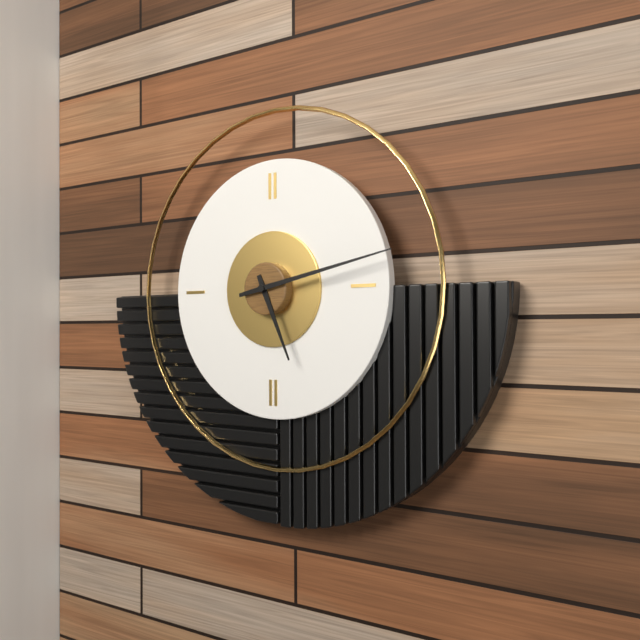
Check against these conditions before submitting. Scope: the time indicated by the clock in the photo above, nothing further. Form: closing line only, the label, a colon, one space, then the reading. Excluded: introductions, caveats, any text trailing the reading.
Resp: 5:13
